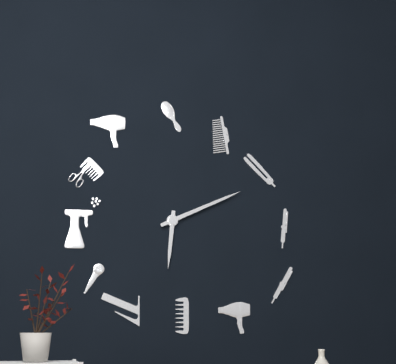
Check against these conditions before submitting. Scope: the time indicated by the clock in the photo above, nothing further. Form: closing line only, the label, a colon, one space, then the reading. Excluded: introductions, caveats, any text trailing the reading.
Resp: 6:11
